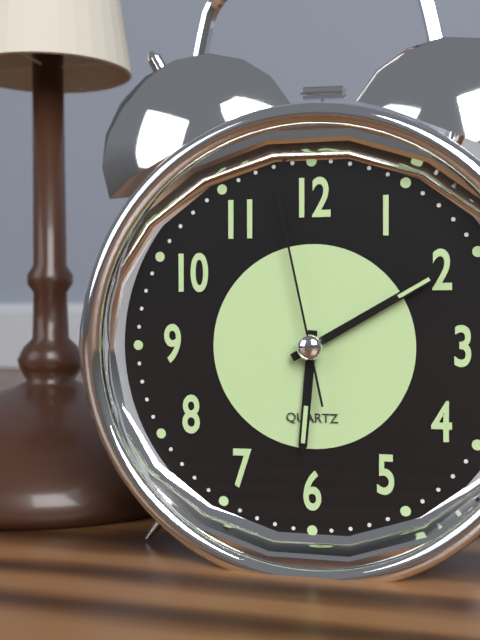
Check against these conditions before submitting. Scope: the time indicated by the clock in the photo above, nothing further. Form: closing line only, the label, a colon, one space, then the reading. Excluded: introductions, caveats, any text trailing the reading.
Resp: 6:10:58
